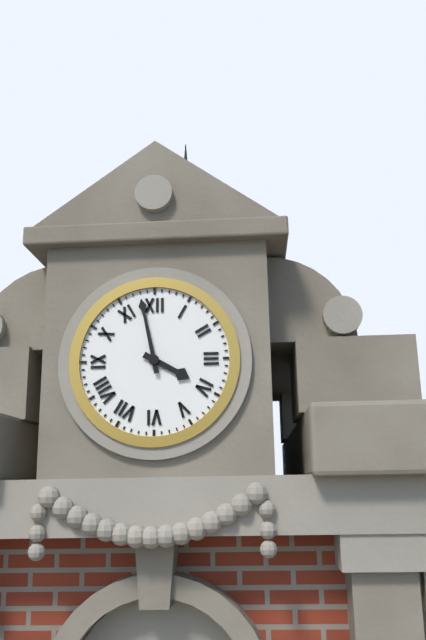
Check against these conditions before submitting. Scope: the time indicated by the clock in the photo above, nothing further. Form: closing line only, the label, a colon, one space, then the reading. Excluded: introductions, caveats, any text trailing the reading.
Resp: 3:58
